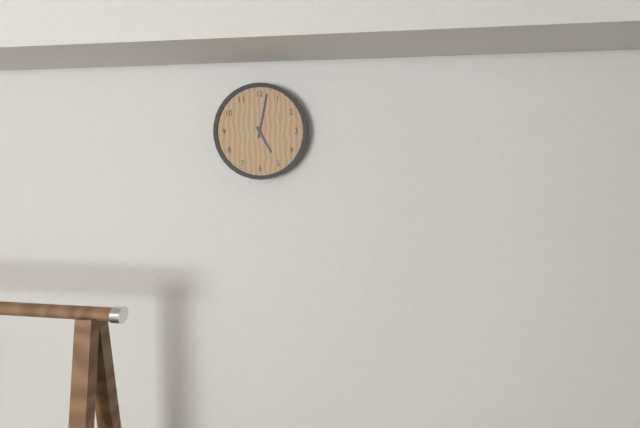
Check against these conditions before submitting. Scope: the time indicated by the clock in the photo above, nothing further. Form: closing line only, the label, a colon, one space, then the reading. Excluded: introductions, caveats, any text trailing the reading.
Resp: 5:02
